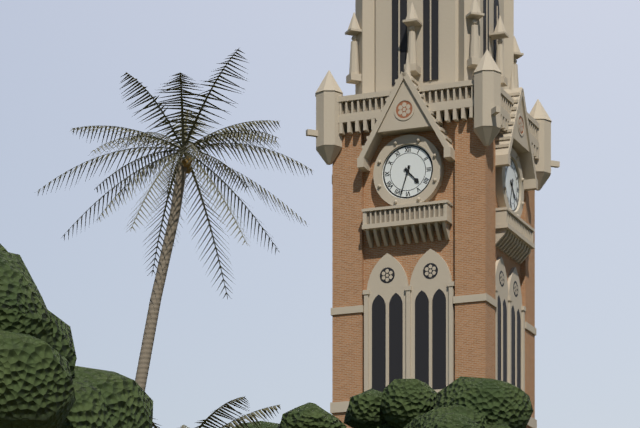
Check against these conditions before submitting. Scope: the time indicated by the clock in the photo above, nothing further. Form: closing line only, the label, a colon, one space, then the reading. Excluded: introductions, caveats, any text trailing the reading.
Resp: 4:33
